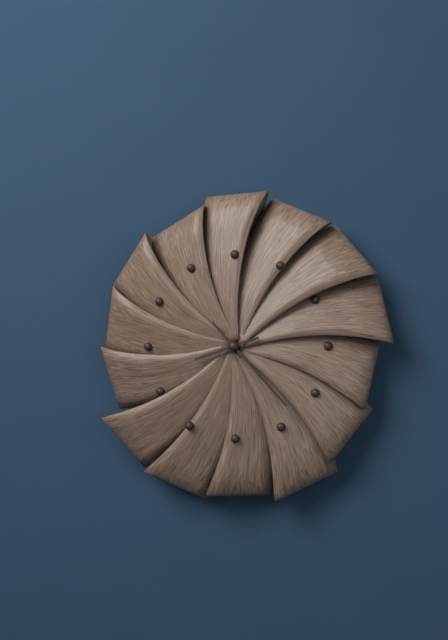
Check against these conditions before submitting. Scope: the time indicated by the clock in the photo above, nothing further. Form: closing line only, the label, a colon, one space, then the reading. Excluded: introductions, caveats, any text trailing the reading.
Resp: 8:23
